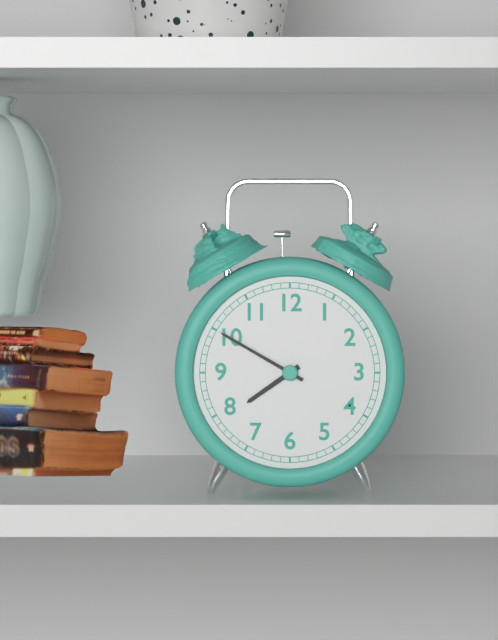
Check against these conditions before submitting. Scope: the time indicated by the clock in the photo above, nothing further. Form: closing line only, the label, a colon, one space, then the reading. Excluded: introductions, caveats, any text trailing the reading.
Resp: 7:50
